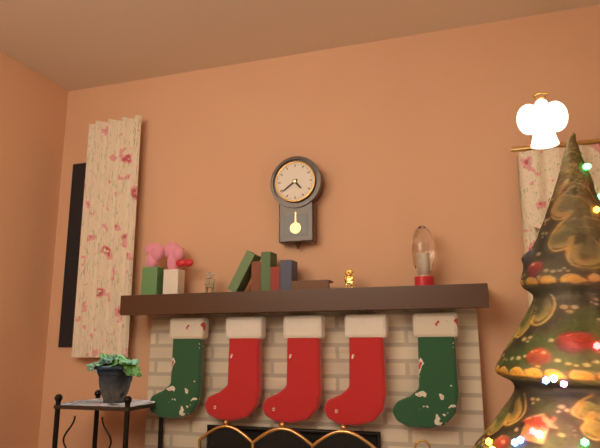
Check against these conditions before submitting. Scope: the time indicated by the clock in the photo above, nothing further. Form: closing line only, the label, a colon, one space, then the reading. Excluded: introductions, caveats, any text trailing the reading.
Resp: 4:39
